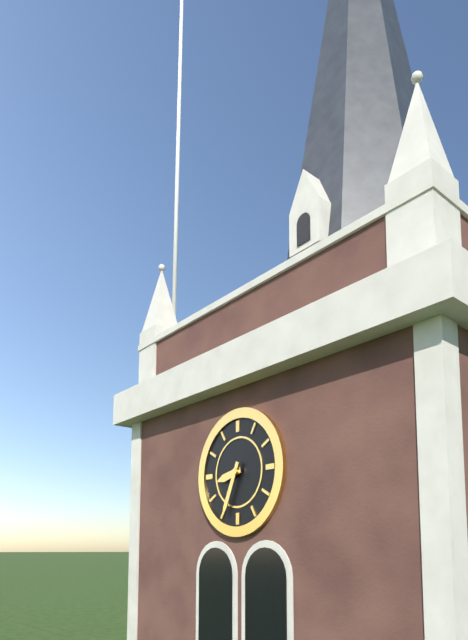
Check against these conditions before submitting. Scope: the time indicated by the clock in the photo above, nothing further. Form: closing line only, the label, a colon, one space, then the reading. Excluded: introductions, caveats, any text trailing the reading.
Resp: 8:34
